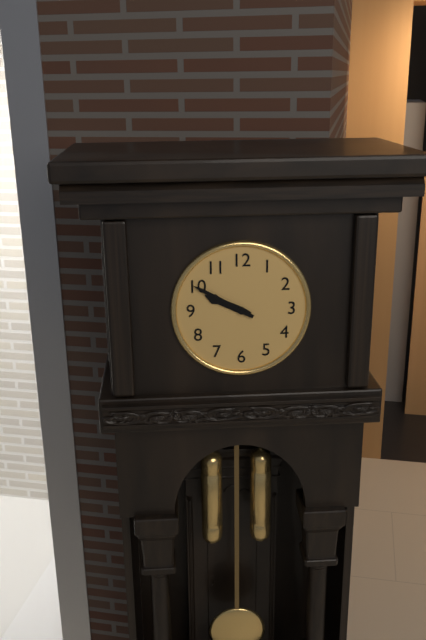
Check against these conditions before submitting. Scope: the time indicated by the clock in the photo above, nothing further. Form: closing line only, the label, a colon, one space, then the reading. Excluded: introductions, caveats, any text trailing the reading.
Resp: 9:50
